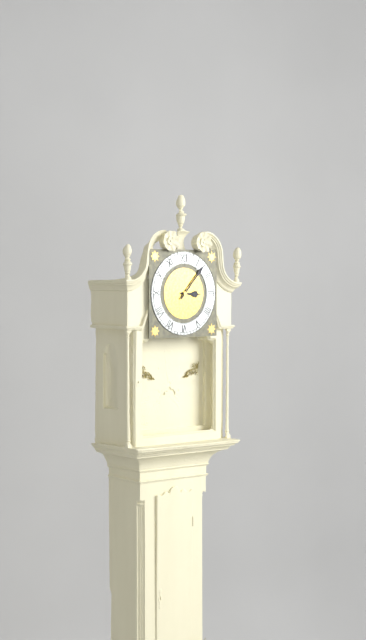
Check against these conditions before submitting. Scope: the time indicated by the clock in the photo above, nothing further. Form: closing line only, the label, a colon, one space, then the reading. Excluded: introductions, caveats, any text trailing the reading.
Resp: 3:07
